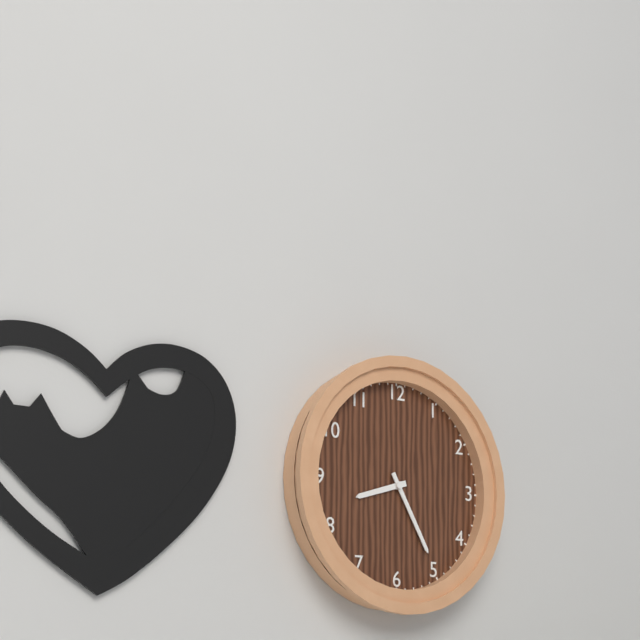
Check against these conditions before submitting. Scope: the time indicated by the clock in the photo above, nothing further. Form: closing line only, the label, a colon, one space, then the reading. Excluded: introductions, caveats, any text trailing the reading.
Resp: 8:25
